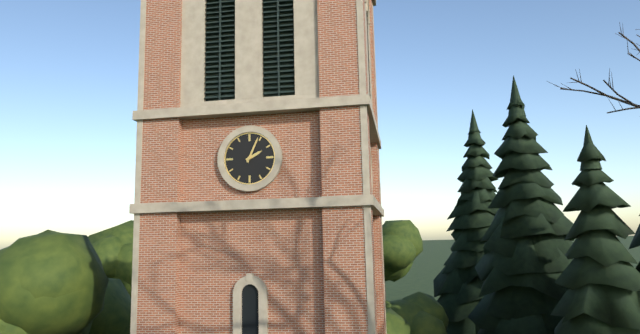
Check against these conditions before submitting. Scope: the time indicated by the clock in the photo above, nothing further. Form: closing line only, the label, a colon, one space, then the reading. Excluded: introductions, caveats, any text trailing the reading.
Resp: 2:04
